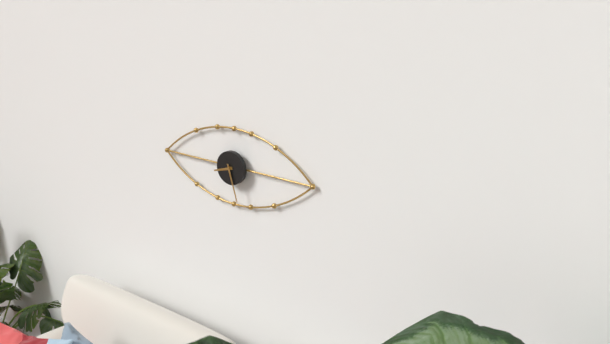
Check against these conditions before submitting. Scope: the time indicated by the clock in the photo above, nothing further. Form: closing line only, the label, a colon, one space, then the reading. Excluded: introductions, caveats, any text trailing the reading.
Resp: 8:27
